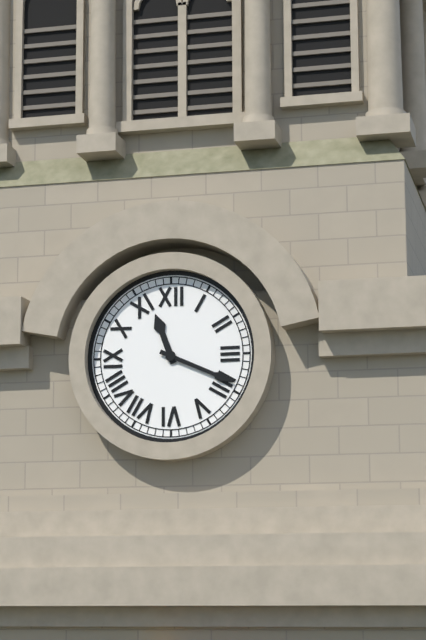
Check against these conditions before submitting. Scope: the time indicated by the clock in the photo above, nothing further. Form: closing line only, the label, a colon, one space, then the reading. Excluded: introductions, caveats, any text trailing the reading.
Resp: 11:19
